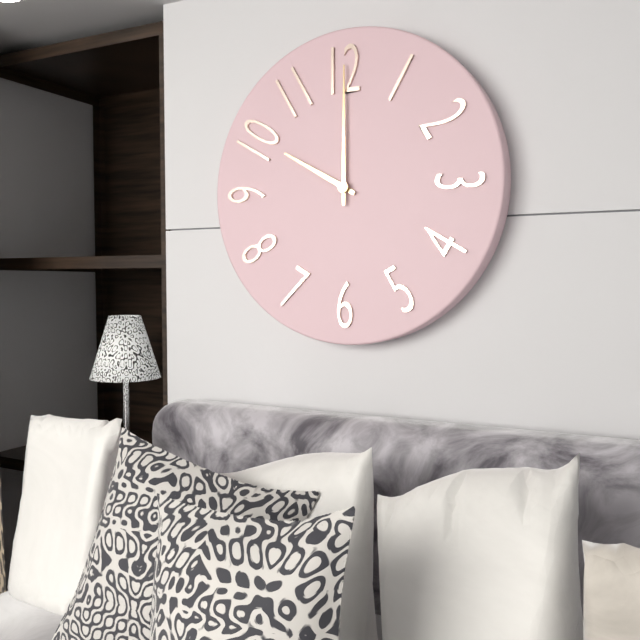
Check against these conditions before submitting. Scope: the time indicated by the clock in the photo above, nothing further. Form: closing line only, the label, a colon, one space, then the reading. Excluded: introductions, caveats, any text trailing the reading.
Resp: 10:00
